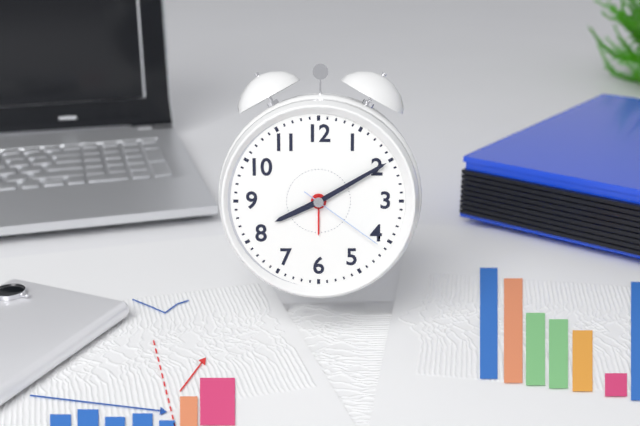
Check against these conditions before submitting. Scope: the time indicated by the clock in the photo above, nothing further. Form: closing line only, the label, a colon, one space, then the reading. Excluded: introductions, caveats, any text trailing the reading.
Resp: 8:10:21
